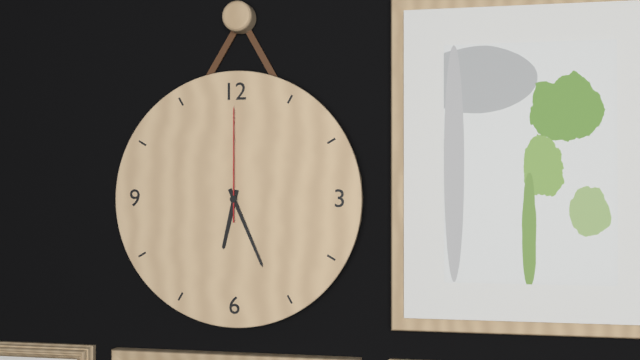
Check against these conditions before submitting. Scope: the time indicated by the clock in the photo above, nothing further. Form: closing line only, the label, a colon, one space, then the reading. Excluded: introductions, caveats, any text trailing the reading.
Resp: 6:26:00
